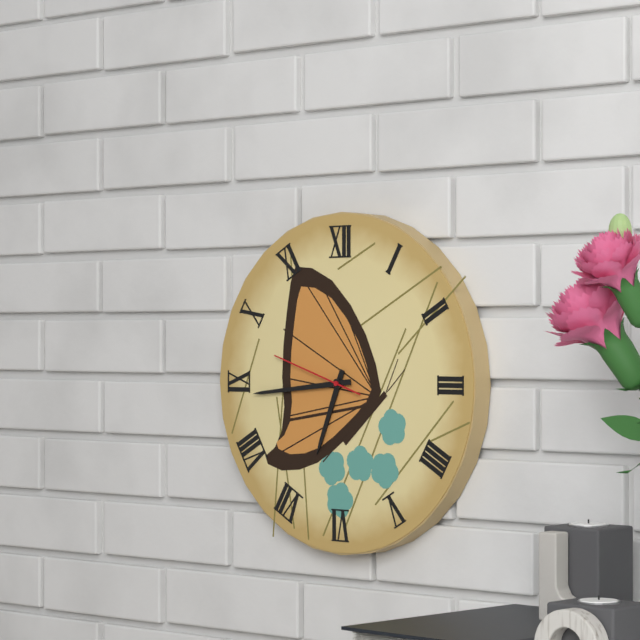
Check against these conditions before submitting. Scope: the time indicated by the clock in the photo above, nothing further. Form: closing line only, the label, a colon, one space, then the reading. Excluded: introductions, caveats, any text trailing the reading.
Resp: 6:44:48
